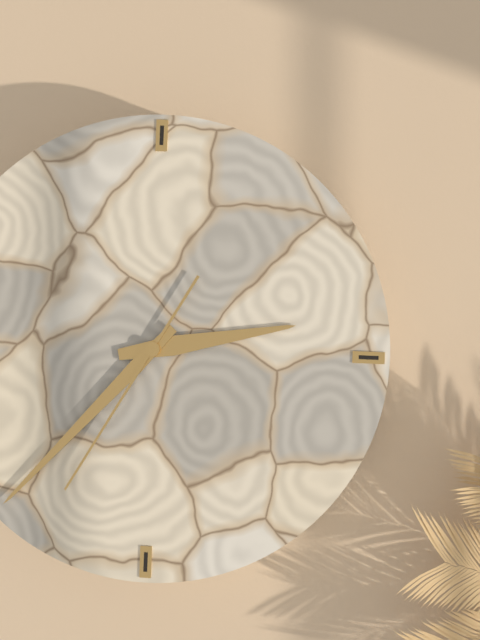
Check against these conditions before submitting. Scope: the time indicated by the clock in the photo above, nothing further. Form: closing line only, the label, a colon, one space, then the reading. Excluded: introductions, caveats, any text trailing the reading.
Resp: 2:37:35
